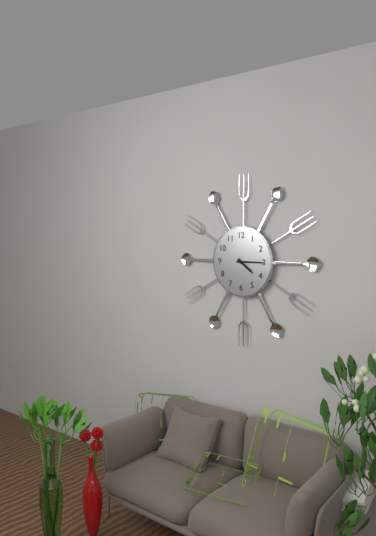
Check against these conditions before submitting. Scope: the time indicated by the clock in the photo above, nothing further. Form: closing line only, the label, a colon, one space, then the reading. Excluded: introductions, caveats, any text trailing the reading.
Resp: 4:15
